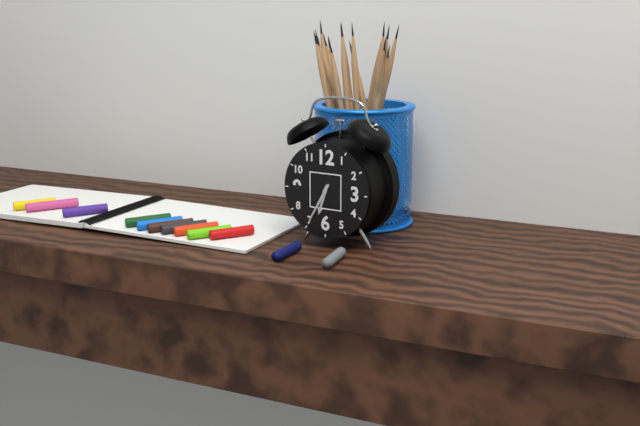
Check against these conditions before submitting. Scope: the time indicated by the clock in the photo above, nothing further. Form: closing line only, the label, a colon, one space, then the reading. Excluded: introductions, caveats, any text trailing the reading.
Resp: 6:35
